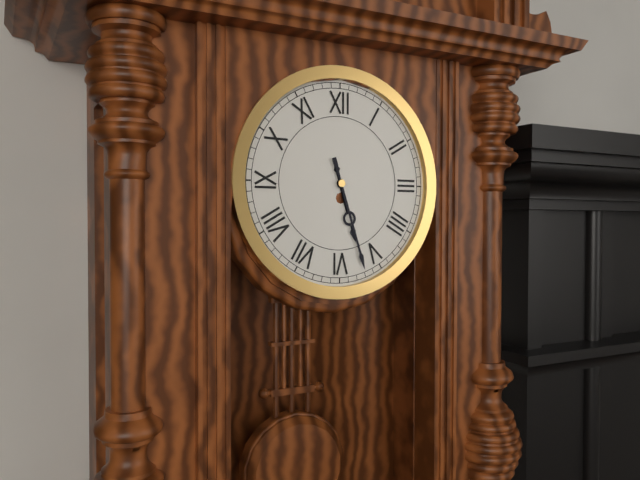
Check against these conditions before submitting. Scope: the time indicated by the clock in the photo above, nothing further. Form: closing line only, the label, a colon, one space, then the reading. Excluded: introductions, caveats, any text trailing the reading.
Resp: 5:27
